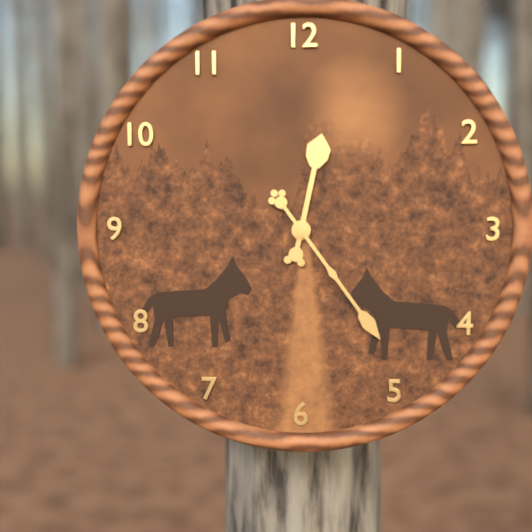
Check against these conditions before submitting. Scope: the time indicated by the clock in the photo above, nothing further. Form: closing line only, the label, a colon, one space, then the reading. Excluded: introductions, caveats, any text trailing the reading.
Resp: 12:24
